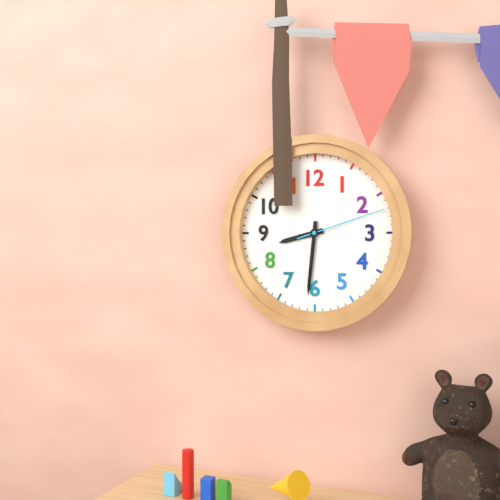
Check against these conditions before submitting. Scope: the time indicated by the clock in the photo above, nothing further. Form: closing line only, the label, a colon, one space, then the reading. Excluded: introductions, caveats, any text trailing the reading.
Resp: 8:31:12
